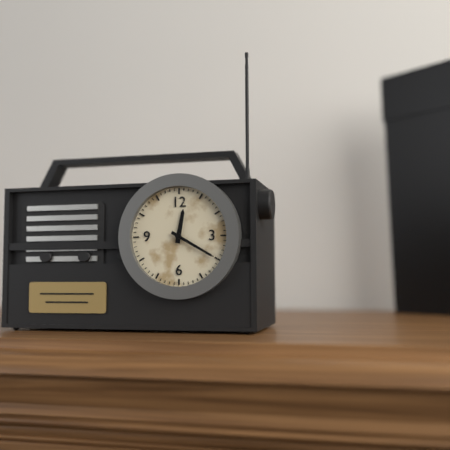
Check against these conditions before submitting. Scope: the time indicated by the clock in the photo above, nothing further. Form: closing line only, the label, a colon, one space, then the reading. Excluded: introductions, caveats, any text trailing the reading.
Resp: 12:20
